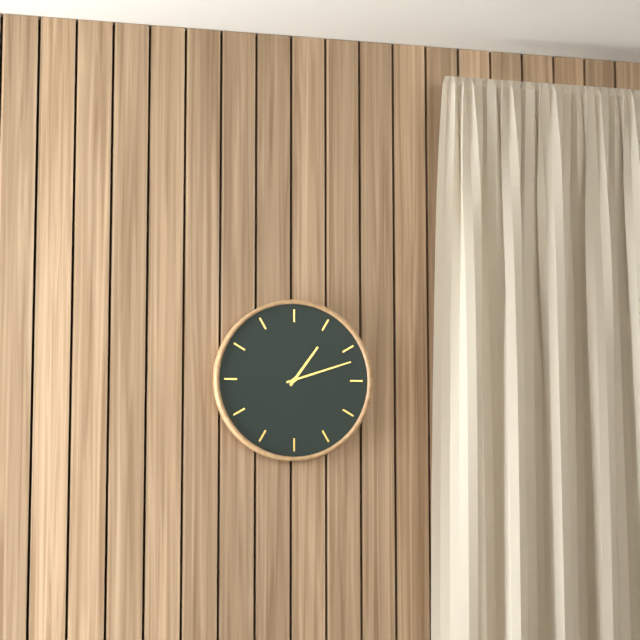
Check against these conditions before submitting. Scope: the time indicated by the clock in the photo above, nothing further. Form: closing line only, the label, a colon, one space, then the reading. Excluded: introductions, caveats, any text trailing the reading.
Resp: 1:12
